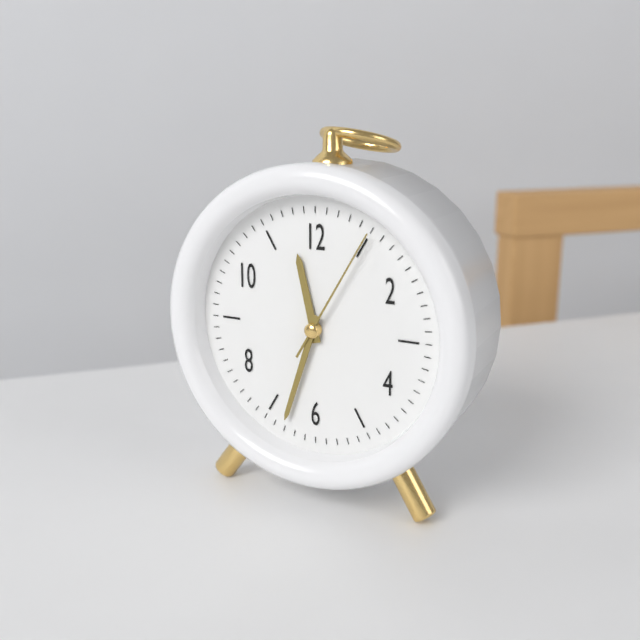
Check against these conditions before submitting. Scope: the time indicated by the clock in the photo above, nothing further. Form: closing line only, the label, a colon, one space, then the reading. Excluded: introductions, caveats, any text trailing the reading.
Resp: 11:33:05
